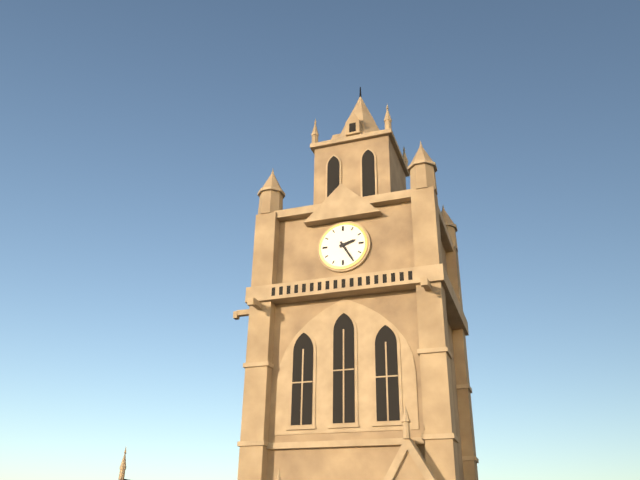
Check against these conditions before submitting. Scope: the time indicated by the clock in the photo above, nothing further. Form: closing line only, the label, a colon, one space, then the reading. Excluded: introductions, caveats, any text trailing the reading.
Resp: 2:25
